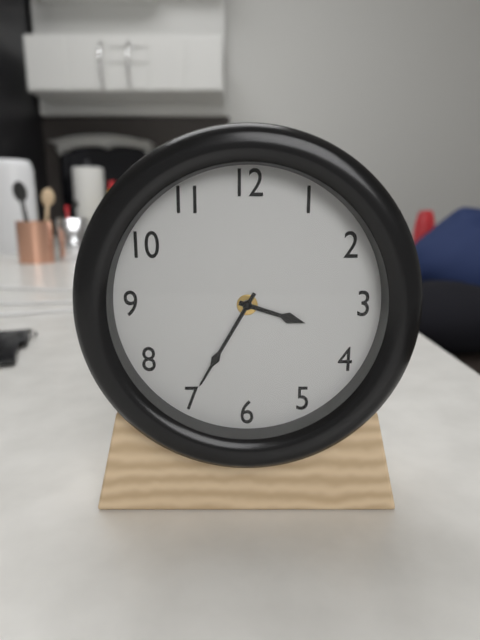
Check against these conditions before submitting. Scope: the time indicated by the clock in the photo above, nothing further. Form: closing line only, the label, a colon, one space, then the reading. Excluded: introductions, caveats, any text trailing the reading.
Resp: 3:35
